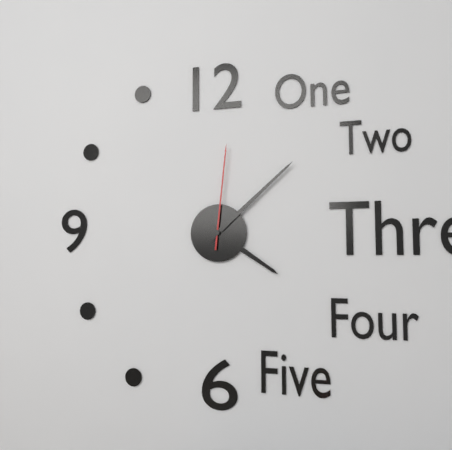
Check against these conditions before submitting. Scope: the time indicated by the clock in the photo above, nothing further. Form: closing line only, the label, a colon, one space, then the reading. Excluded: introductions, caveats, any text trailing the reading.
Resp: 4:08:01
